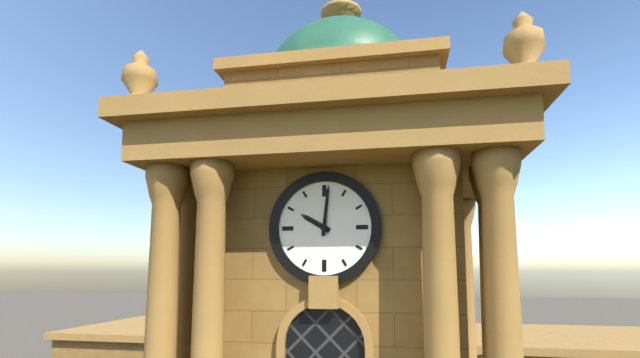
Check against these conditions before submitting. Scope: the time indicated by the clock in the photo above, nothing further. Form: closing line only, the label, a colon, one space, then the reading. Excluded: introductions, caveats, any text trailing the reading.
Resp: 10:01
